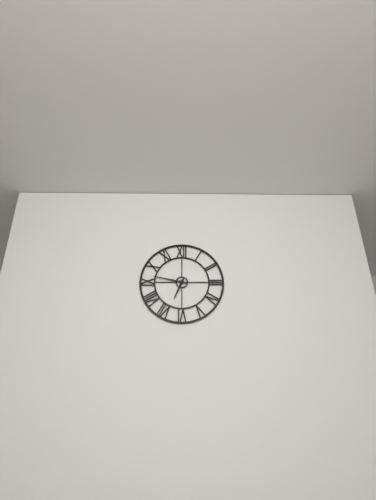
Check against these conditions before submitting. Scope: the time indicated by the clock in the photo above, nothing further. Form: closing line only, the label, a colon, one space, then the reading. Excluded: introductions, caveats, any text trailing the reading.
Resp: 6:47
